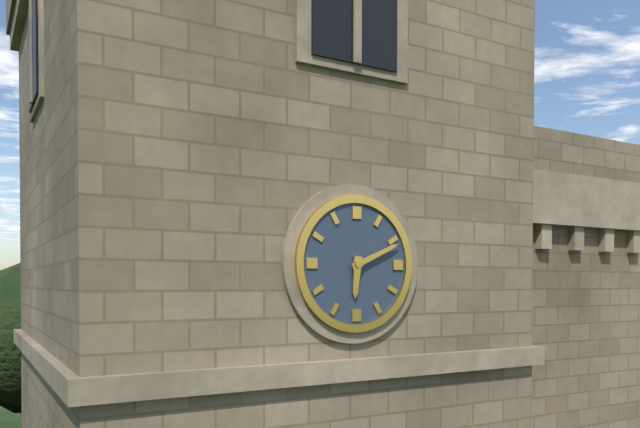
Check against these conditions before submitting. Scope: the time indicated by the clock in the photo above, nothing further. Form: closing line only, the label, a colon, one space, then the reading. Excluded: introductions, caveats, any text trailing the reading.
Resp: 6:11
